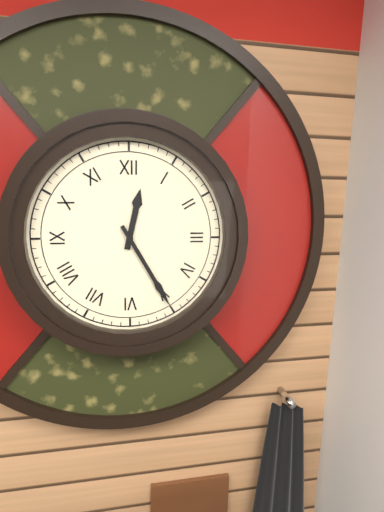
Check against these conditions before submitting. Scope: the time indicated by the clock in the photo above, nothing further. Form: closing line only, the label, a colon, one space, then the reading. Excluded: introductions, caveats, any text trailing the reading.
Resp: 12:25
